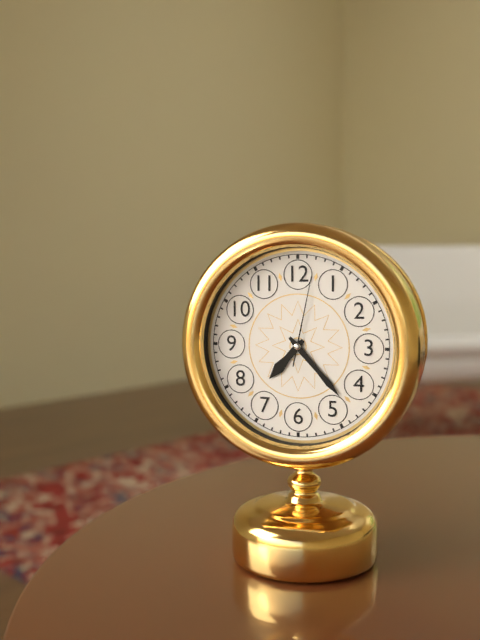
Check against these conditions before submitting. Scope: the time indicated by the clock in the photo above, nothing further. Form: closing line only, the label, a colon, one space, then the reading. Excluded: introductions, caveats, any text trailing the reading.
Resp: 7:23:02
